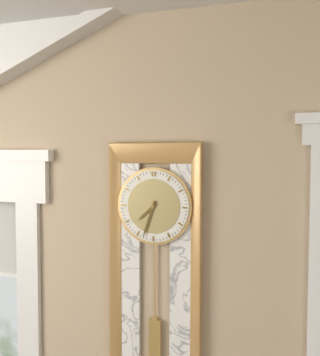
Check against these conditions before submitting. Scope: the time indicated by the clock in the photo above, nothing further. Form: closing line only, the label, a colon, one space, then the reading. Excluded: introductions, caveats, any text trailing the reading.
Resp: 7:33
